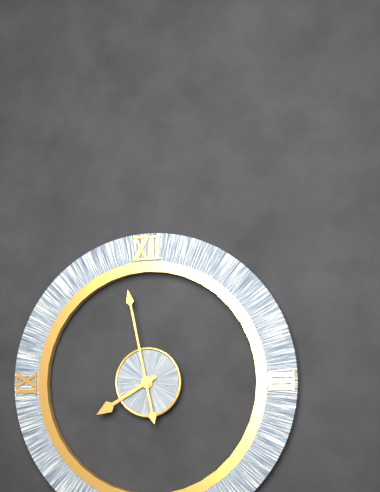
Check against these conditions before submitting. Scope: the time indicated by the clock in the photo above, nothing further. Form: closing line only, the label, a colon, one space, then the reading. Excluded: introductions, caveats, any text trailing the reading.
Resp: 7:58
